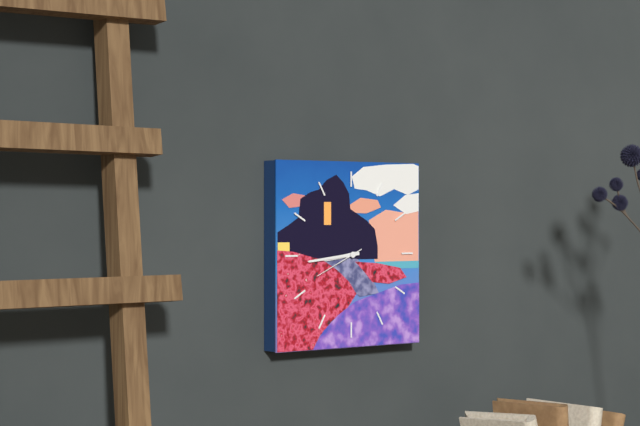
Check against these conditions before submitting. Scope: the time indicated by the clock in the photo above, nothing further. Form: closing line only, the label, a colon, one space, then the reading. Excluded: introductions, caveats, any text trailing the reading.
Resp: 8:44
